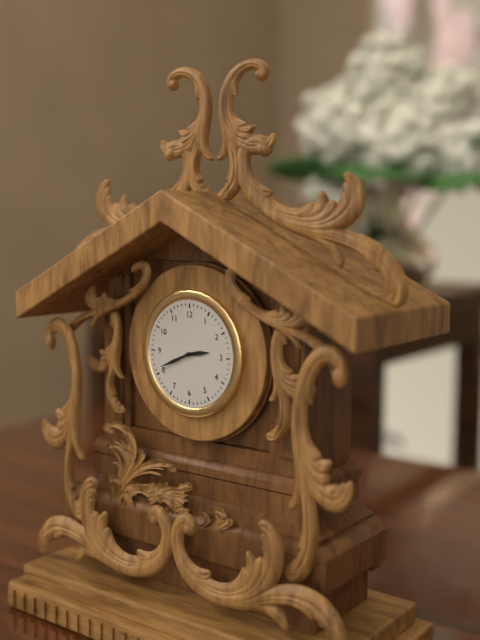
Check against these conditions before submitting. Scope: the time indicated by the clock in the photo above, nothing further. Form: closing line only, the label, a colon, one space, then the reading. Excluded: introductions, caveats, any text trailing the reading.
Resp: 2:41
